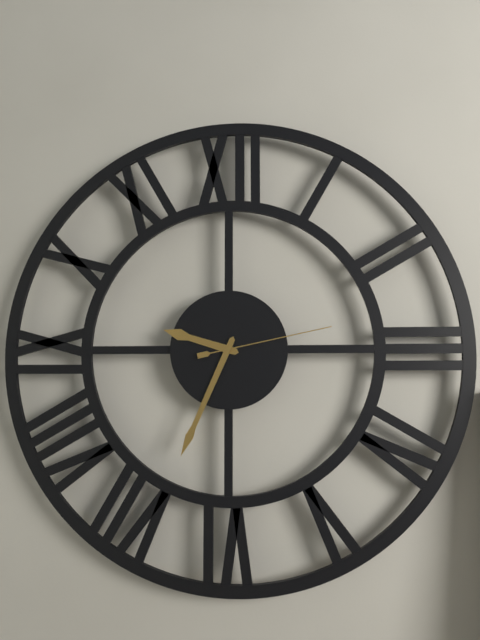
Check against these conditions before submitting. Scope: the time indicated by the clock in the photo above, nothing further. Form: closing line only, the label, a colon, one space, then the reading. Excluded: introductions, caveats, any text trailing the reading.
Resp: 9:34:13
